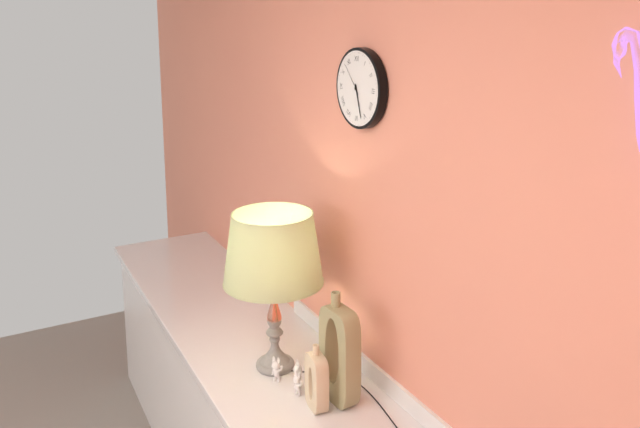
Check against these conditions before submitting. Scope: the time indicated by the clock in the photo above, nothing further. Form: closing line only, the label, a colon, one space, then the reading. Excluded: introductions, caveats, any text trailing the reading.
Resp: 5:27
